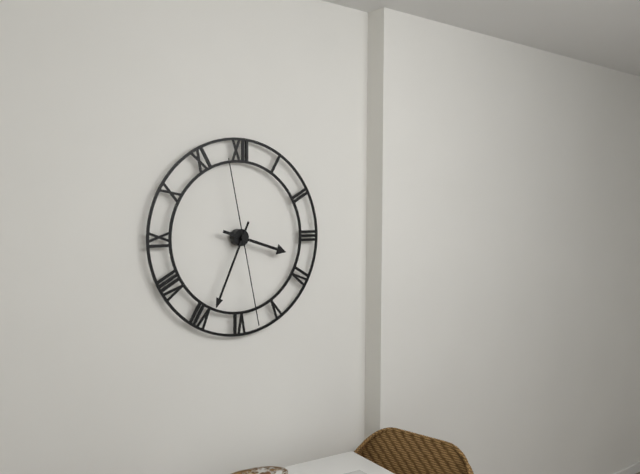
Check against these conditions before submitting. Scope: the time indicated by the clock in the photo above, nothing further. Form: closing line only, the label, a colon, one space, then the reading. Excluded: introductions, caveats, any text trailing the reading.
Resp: 3:34:28
